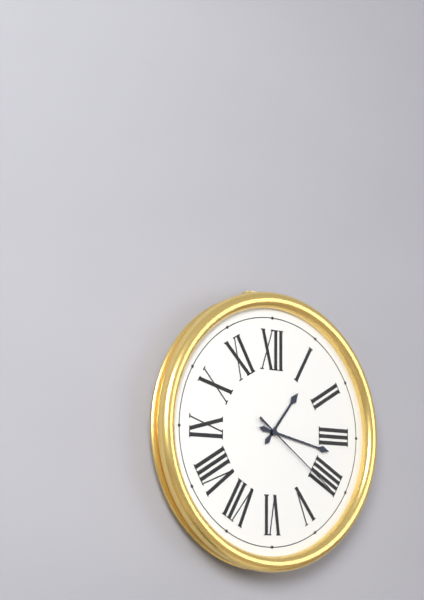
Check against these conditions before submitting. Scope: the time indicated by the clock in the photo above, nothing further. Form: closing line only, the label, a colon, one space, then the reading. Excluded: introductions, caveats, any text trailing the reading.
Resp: 1:17:21
